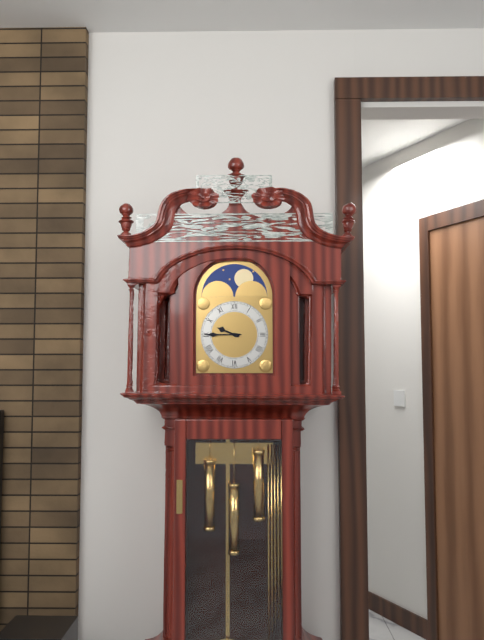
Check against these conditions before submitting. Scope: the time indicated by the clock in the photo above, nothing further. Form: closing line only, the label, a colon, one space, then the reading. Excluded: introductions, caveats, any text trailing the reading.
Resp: 9:45
